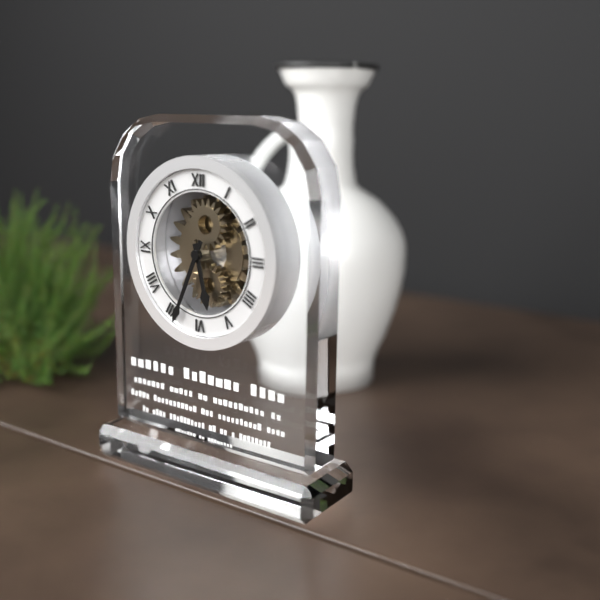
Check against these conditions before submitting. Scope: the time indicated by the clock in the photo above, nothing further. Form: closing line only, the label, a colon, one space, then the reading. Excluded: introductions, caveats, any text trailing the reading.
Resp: 5:34
